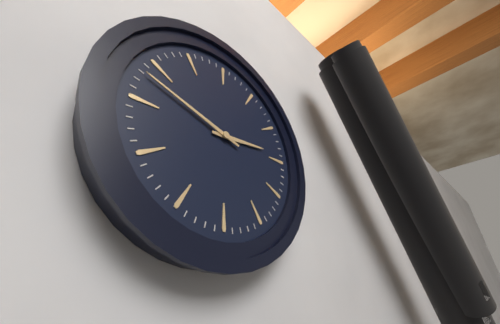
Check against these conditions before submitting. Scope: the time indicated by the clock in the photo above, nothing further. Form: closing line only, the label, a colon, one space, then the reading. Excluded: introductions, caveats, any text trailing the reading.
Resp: 2:48
